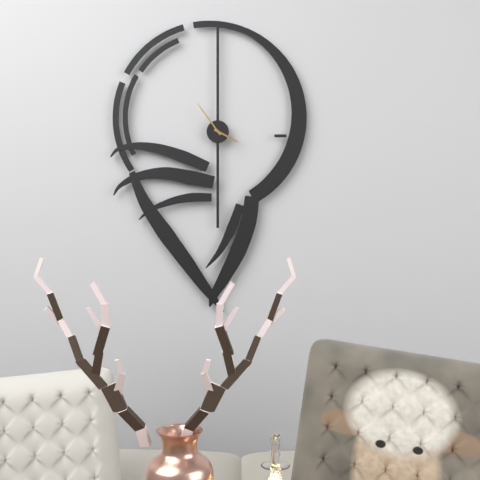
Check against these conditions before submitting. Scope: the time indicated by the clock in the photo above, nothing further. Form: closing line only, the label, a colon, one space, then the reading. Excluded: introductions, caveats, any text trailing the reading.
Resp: 3:54
